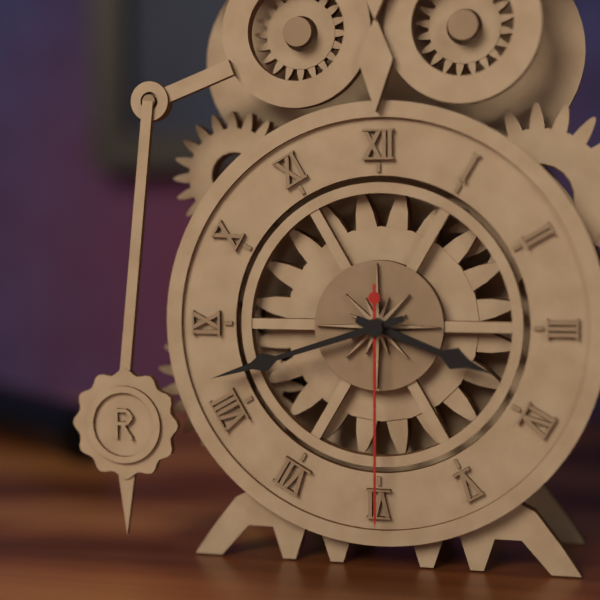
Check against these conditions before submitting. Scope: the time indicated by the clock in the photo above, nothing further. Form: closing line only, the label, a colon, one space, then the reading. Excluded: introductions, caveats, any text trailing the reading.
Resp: 3:42:30
